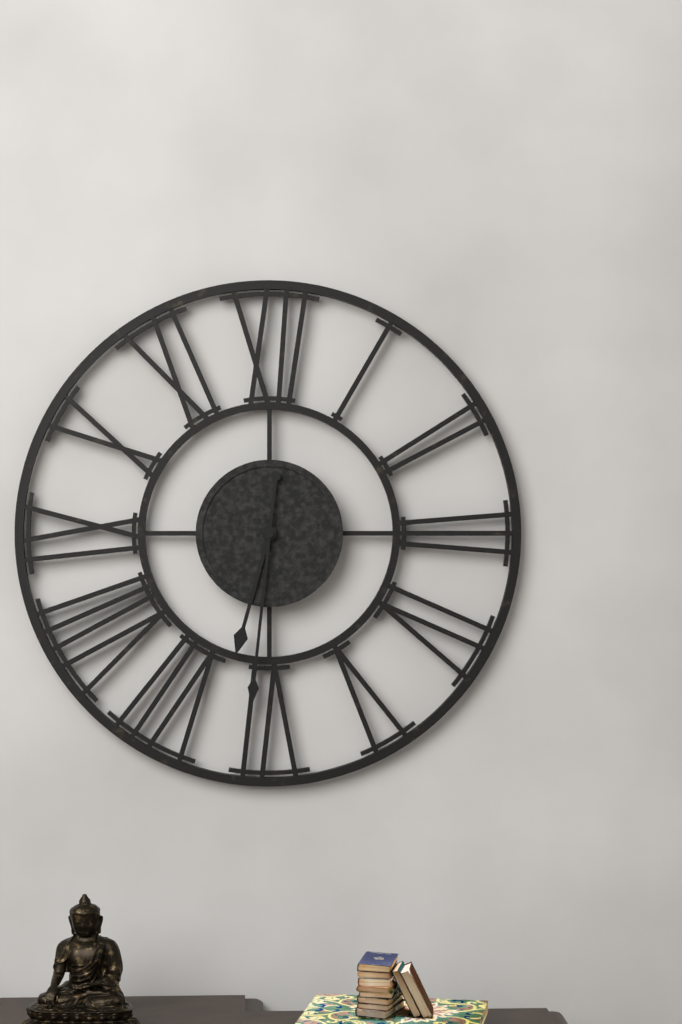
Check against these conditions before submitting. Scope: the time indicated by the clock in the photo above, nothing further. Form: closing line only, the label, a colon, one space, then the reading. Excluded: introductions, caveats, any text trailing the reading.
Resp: 6:31
